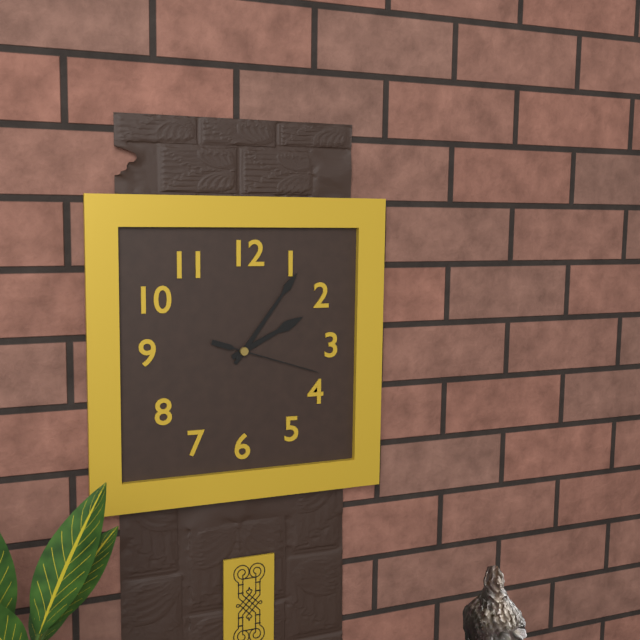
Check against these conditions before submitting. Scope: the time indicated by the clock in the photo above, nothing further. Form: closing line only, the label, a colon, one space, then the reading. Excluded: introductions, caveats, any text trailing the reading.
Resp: 2:06:18
